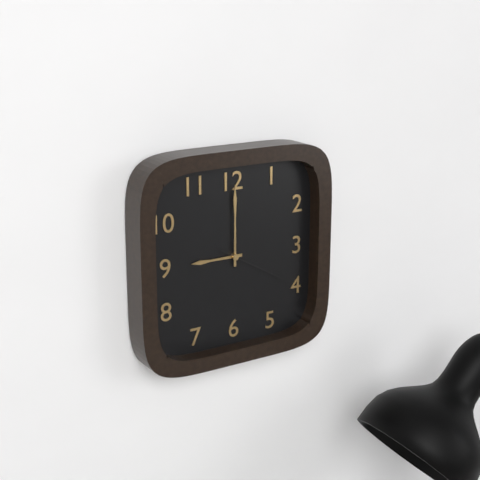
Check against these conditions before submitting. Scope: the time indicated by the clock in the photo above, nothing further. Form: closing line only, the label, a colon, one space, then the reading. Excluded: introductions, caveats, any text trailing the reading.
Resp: 9:00:20
